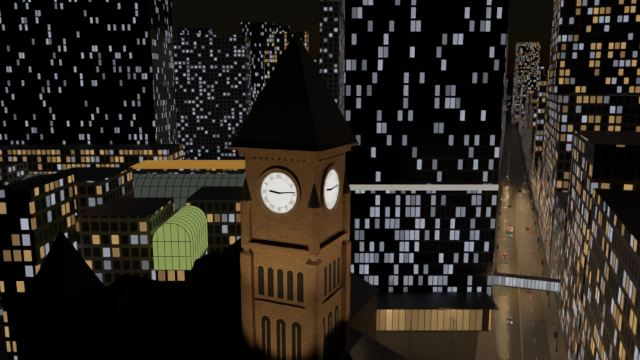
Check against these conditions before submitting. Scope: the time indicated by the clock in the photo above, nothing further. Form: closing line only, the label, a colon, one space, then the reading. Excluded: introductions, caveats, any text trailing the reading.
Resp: 9:14
